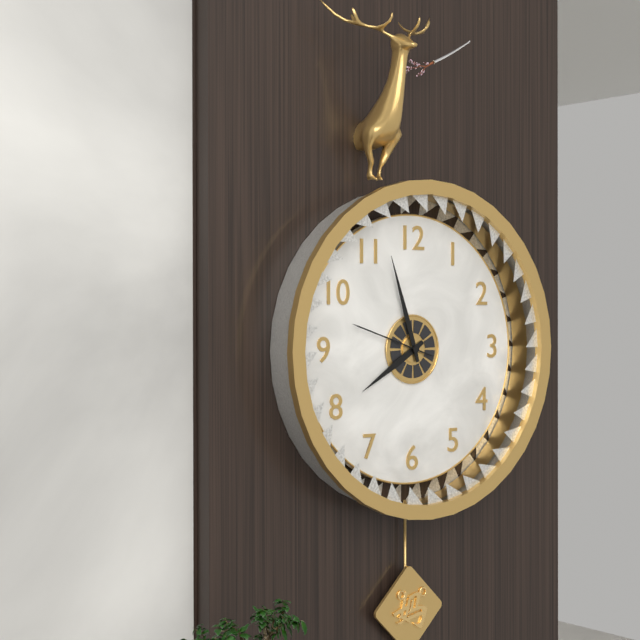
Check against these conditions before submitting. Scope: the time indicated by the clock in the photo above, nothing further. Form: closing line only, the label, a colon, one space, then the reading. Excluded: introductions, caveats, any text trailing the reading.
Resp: 7:57:48
